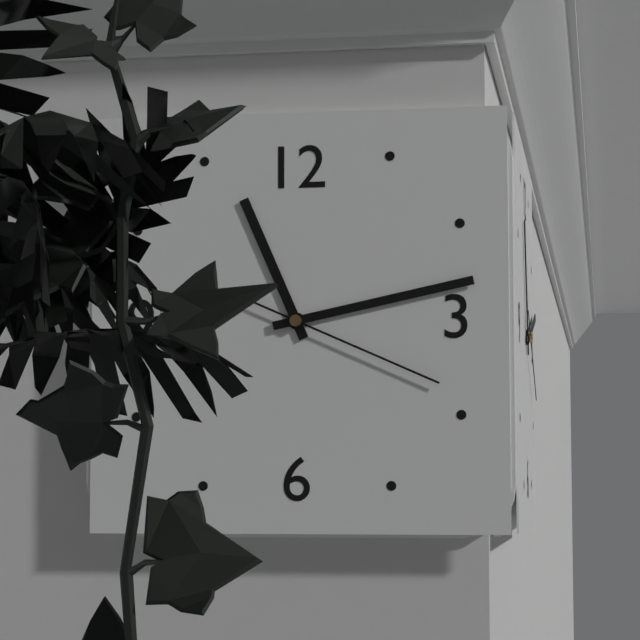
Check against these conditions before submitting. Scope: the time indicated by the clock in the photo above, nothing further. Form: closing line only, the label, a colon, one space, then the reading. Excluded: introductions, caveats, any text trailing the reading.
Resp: 11:13:19
